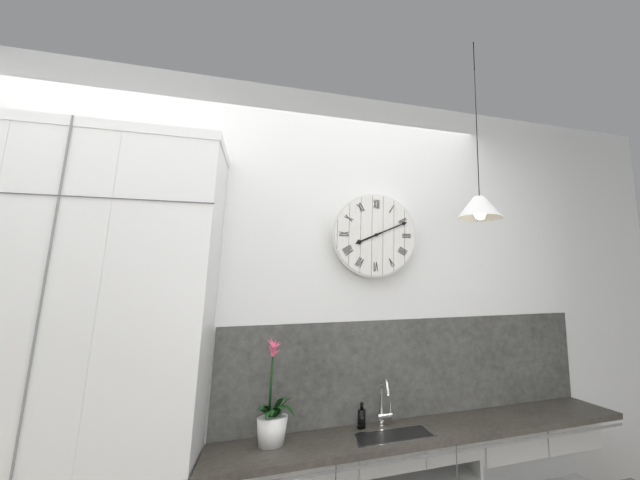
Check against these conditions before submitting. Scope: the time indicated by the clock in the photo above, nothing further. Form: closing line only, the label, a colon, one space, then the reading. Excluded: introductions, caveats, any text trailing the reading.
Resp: 8:11
